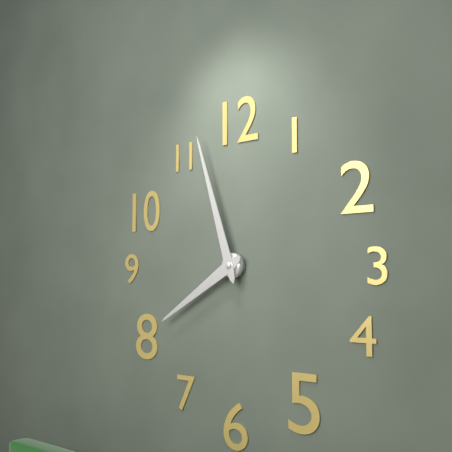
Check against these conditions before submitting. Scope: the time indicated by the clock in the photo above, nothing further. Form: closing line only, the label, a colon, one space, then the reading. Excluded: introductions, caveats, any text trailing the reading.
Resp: 7:57
